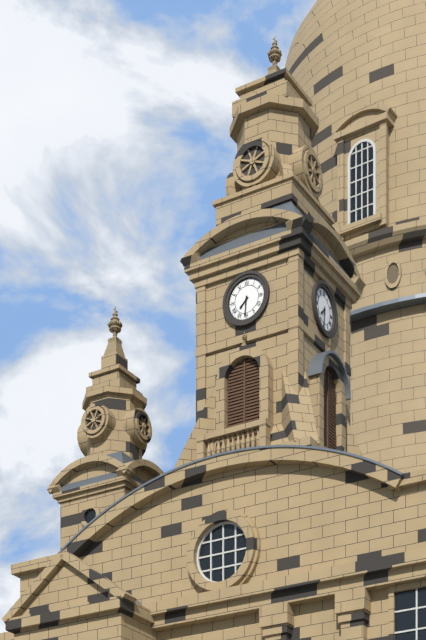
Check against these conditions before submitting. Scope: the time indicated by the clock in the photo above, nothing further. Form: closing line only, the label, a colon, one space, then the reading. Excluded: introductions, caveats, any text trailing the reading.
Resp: 7:31
